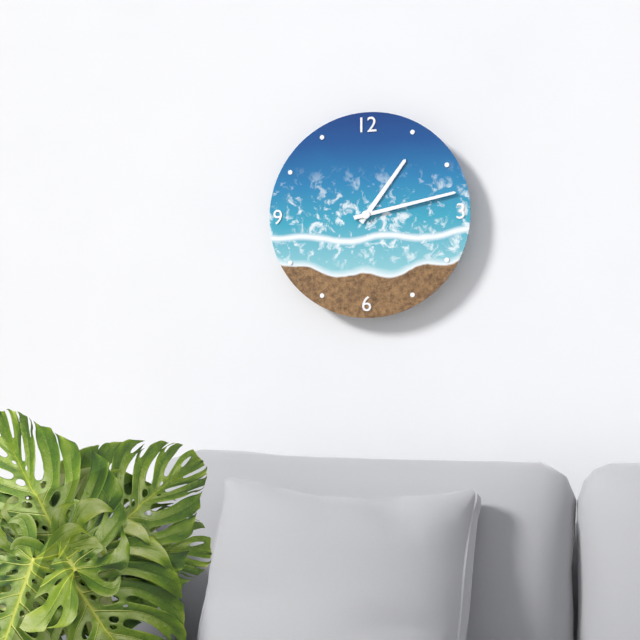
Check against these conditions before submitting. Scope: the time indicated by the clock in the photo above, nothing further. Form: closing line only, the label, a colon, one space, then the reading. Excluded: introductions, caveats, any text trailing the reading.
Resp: 1:13
